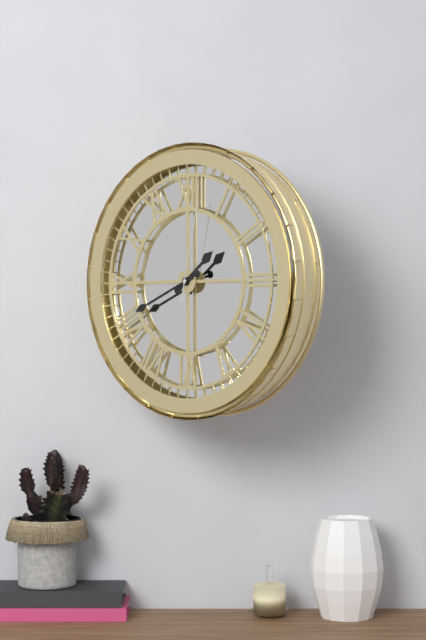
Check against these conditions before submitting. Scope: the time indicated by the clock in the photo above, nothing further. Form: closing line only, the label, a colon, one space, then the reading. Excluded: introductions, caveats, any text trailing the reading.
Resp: 1:41:02
